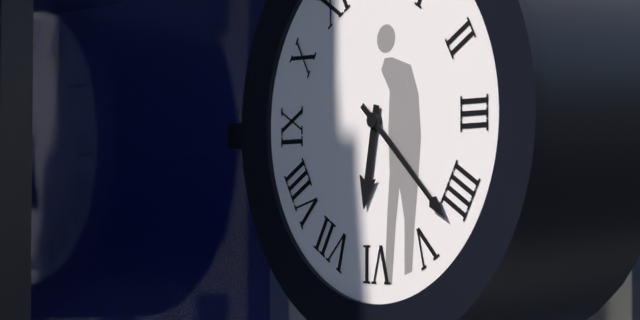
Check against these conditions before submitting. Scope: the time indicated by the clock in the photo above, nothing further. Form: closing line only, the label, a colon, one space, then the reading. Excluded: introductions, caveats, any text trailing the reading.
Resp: 6:22
